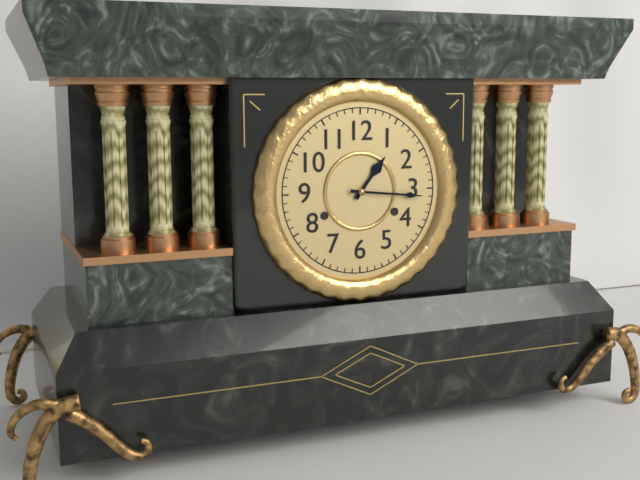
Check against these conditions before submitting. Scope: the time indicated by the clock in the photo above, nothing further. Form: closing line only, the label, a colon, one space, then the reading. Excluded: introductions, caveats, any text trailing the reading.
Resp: 1:16
